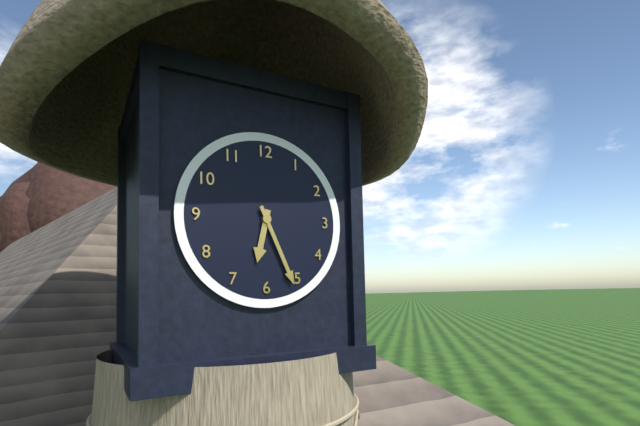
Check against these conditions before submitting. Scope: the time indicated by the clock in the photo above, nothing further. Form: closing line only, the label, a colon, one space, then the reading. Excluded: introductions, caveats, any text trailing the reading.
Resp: 6:26
